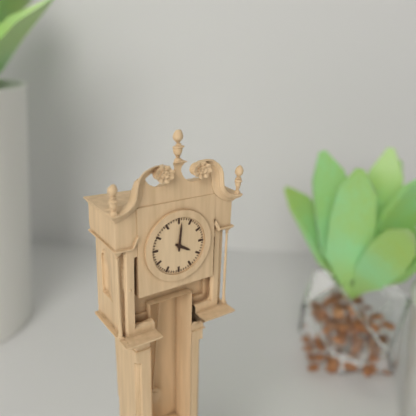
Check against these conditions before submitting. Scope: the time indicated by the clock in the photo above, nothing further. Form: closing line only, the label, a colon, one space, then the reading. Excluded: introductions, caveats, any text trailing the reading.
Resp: 4:01
